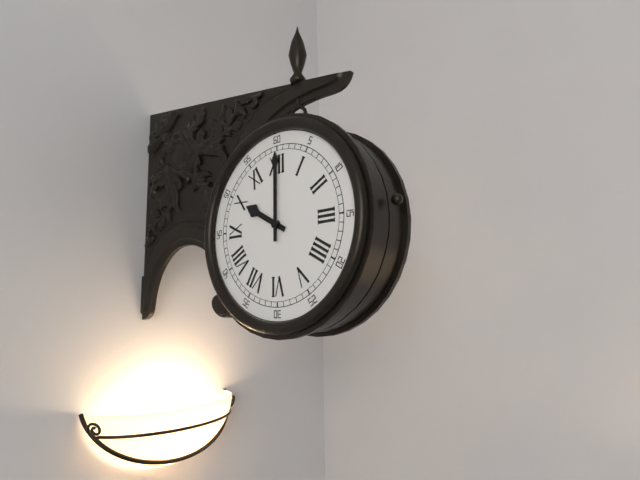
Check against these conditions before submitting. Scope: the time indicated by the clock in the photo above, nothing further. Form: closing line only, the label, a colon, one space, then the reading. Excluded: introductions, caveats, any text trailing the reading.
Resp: 10:00
